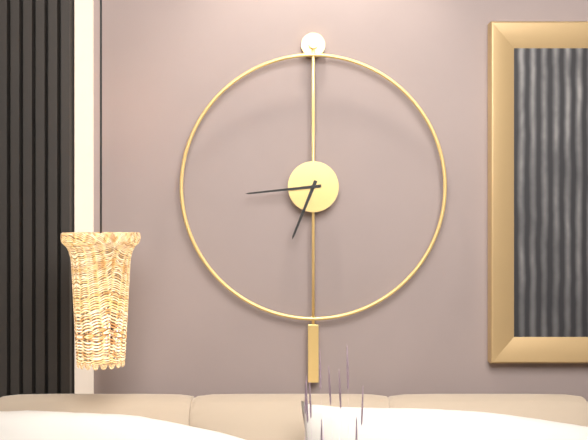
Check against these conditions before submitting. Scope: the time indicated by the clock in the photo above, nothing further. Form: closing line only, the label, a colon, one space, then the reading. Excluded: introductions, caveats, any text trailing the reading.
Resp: 6:44
